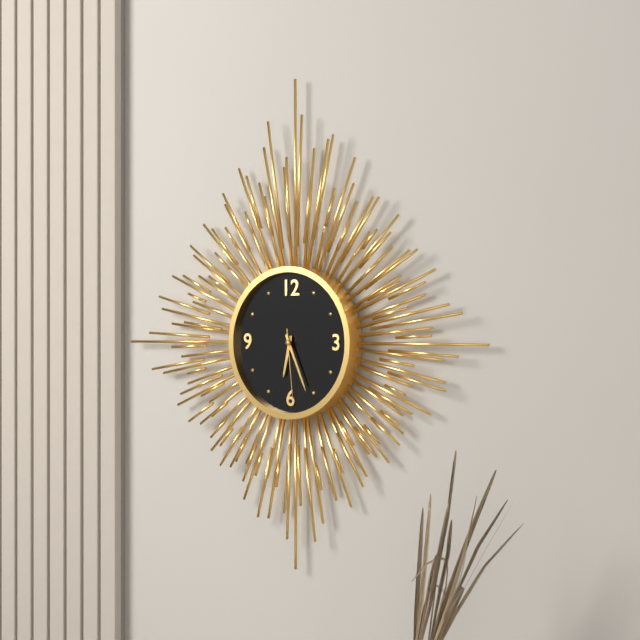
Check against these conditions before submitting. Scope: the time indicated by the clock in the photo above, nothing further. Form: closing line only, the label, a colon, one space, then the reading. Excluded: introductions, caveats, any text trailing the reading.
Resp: 6:26:29
